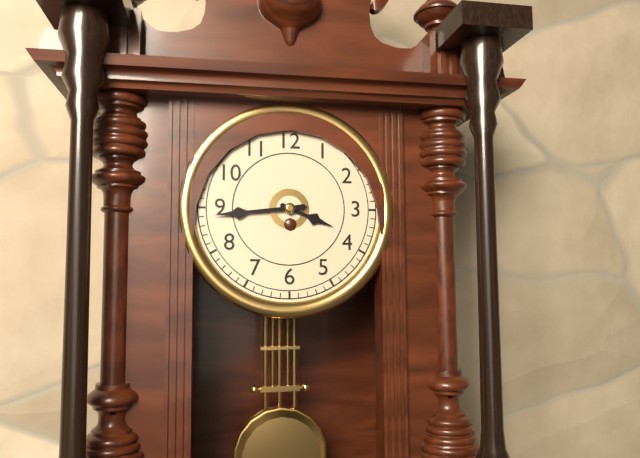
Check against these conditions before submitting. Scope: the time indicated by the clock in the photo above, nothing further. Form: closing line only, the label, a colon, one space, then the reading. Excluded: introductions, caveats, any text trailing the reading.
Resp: 3:44
